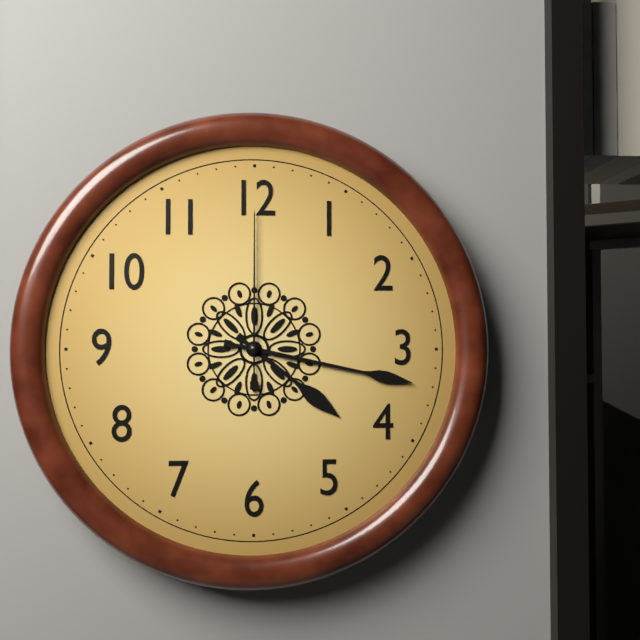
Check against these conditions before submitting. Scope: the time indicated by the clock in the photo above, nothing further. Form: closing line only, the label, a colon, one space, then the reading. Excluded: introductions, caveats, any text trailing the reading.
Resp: 4:17:00
